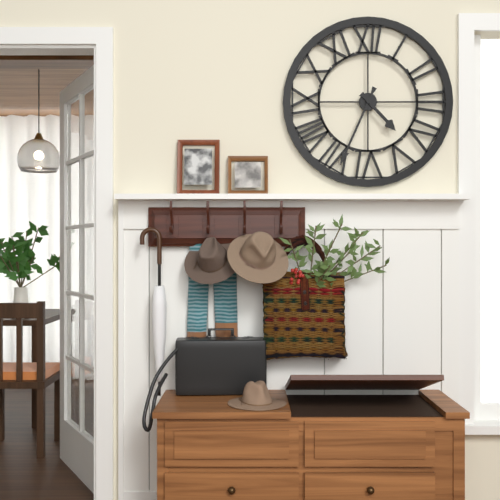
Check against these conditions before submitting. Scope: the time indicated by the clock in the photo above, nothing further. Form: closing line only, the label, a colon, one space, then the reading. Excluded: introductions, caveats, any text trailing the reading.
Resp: 4:34
